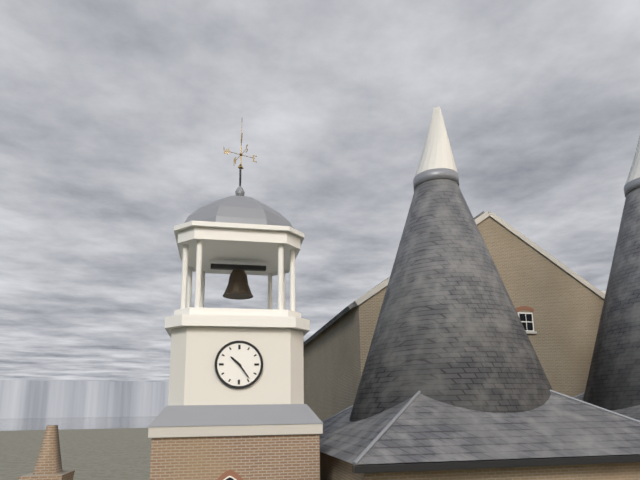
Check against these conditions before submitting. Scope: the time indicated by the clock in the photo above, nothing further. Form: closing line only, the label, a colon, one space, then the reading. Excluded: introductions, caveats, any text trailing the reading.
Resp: 10:24
